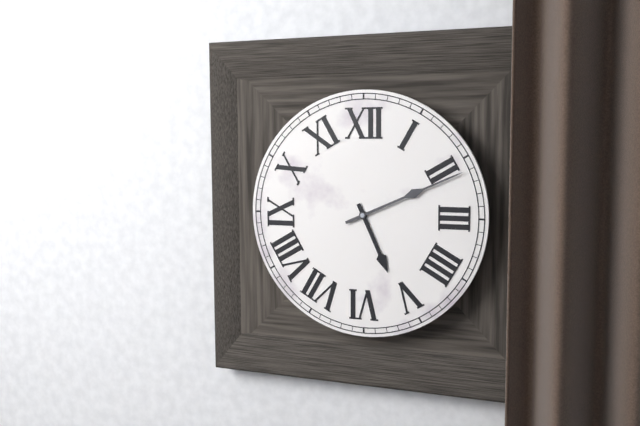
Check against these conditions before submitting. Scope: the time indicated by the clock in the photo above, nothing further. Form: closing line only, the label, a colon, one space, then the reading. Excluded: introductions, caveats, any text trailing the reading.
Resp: 5:11
